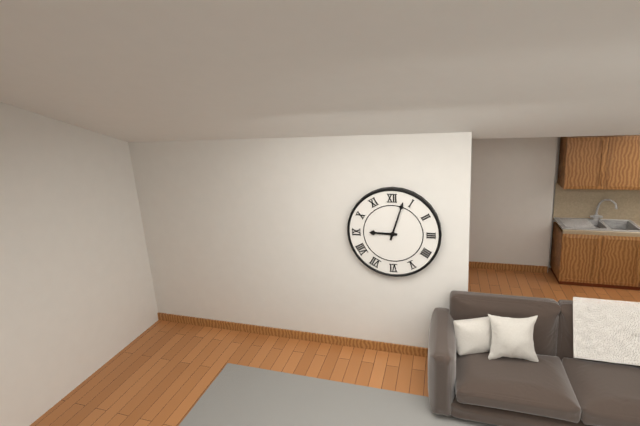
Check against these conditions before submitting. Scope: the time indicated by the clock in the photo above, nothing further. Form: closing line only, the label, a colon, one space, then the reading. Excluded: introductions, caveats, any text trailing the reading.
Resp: 9:03
